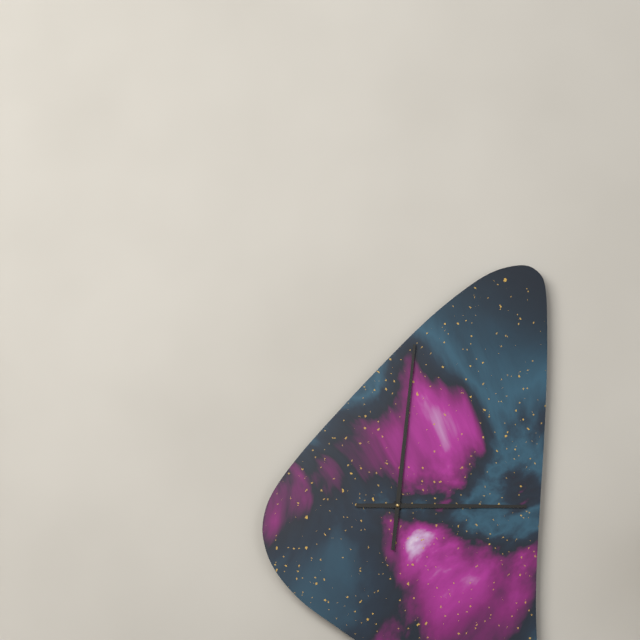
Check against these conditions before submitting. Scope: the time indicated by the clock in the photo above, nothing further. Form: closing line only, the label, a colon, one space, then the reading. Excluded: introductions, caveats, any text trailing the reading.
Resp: 3:01
